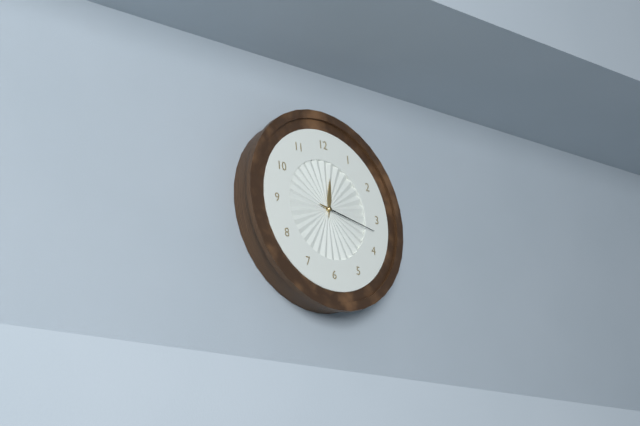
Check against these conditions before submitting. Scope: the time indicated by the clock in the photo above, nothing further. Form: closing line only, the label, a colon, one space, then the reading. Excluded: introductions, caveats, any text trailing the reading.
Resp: 12:17
